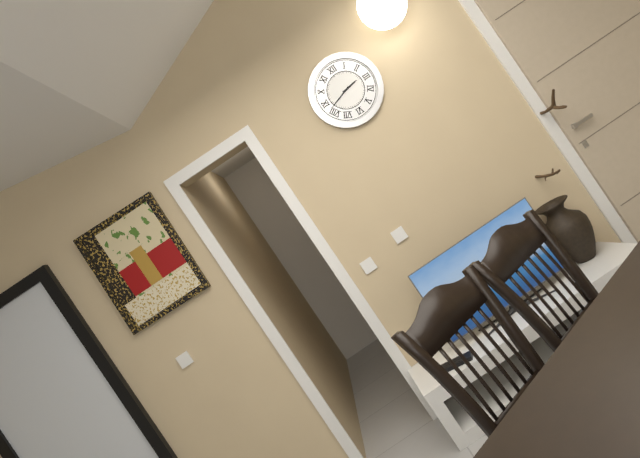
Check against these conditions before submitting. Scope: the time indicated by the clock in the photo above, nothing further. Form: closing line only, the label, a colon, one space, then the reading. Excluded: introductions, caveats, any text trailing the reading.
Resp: 2:42
